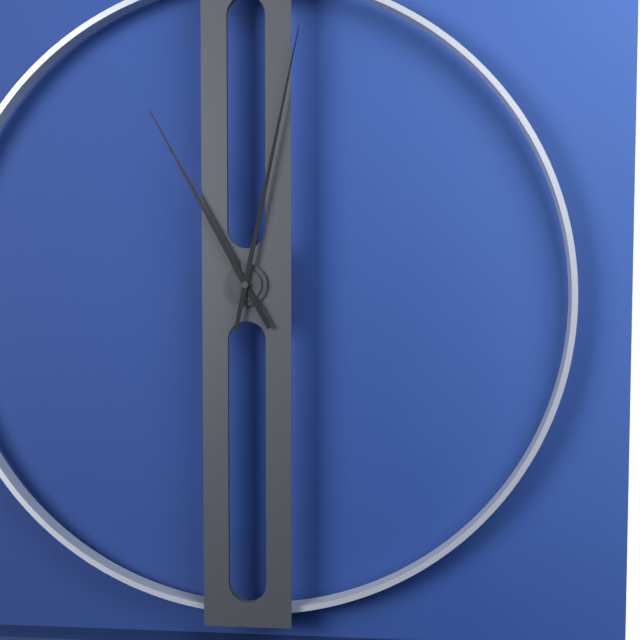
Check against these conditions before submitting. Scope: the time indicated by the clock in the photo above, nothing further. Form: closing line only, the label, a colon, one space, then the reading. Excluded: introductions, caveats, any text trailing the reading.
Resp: 11:02
